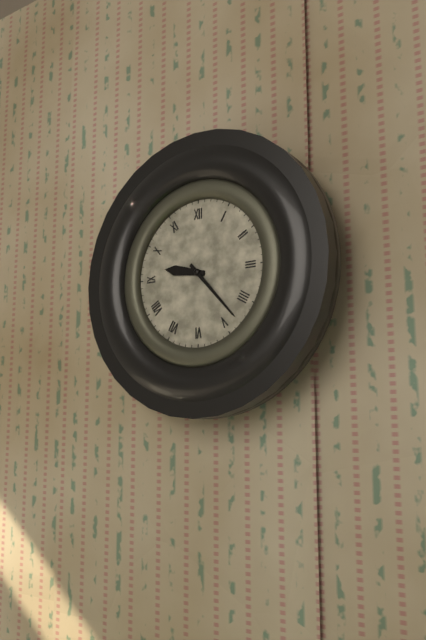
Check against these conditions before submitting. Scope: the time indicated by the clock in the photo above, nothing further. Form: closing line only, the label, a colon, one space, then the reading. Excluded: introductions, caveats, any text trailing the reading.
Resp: 9:23
